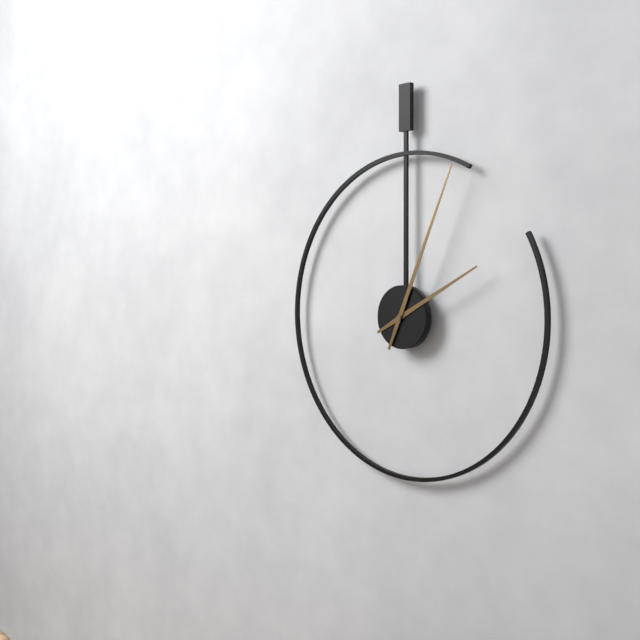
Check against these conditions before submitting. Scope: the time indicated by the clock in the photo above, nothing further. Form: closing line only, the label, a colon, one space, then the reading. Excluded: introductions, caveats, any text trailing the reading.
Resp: 2:04
